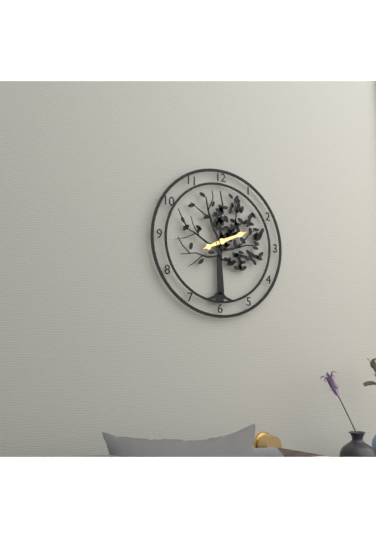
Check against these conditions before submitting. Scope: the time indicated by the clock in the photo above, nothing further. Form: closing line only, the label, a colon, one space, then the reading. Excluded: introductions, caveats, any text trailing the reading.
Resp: 8:11
